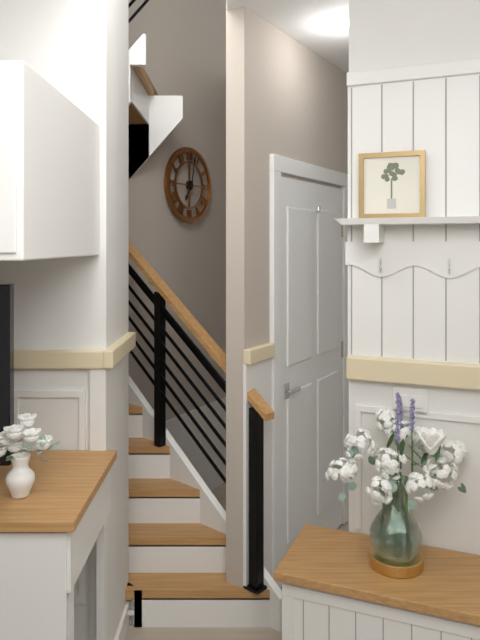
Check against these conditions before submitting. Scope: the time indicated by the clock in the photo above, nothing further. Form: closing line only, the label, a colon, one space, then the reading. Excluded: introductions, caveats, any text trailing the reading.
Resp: 7:02
